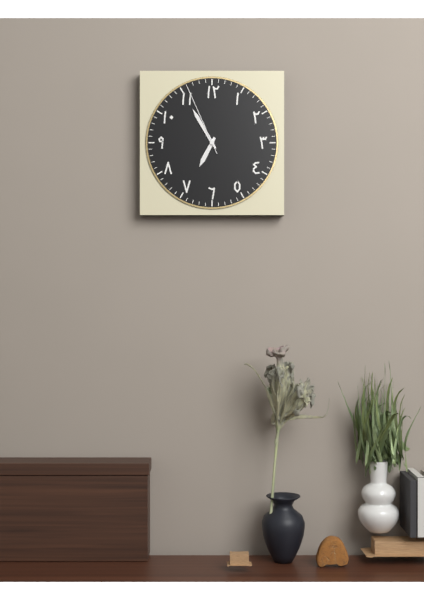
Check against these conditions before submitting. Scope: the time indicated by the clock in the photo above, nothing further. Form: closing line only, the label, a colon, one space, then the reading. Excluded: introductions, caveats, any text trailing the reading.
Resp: 6:55:56
